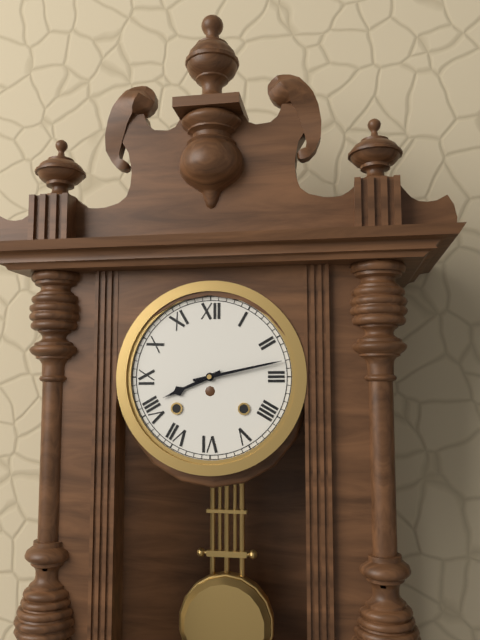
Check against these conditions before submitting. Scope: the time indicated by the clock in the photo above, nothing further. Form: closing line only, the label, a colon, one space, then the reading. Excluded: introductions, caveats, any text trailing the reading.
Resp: 8:13
